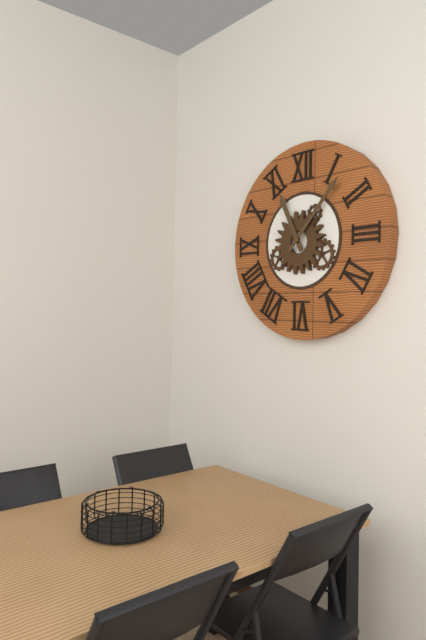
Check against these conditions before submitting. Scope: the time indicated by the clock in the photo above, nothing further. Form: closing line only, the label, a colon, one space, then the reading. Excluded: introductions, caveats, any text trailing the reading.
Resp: 11:07
